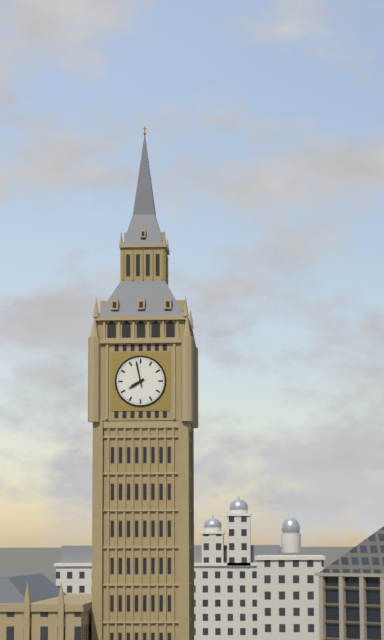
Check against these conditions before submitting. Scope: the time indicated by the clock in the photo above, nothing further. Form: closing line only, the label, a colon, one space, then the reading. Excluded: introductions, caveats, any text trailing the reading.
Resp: 7:58
